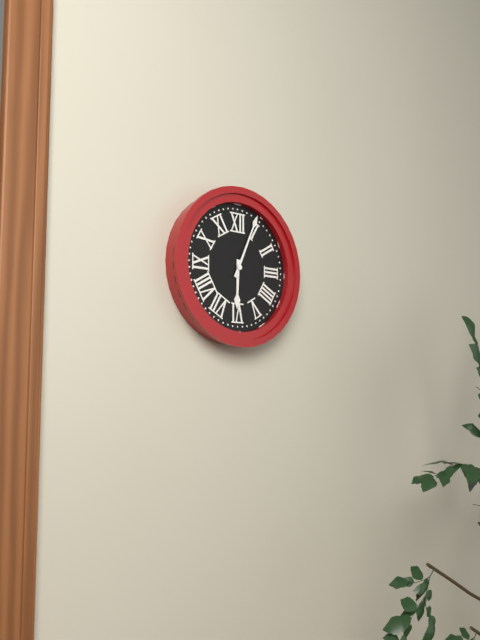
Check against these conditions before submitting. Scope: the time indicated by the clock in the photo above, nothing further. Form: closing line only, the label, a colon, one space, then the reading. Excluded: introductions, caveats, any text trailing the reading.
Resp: 6:04
